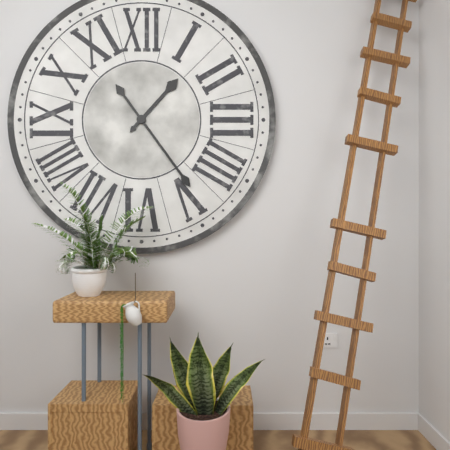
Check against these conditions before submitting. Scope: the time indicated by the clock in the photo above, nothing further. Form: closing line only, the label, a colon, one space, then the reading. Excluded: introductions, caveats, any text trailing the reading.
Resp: 1:24
